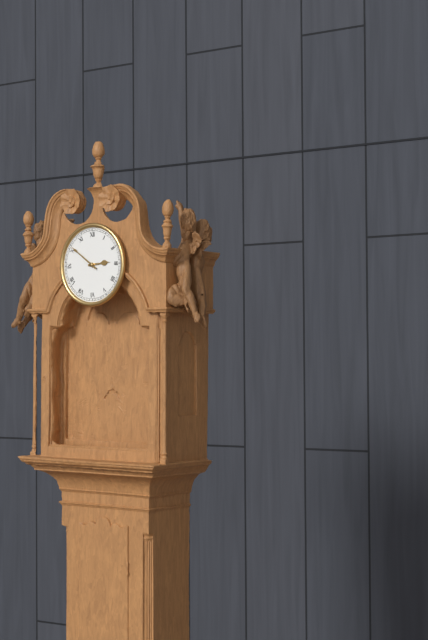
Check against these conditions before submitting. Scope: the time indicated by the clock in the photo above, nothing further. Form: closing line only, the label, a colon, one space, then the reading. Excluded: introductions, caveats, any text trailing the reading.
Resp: 2:51
